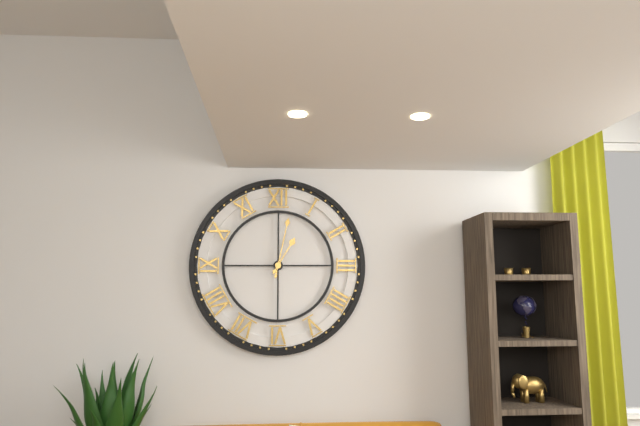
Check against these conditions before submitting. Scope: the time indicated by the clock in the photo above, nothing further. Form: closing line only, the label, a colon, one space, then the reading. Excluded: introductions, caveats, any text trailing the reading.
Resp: 1:02
